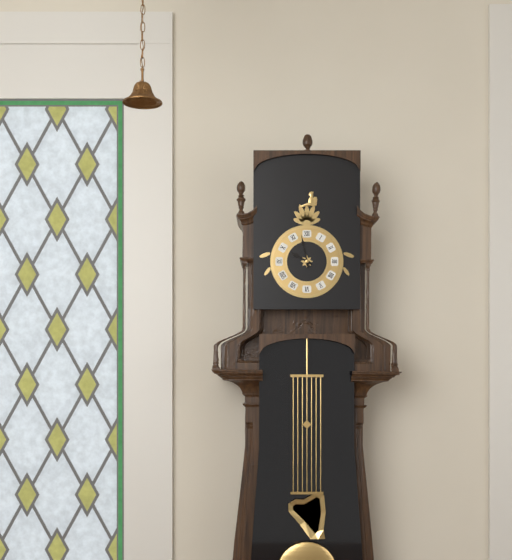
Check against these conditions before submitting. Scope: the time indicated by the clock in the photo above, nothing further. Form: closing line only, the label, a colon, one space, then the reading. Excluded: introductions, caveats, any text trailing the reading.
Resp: 9:58
